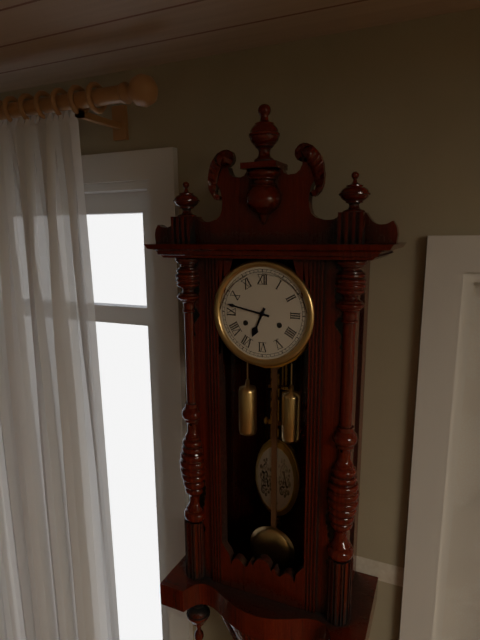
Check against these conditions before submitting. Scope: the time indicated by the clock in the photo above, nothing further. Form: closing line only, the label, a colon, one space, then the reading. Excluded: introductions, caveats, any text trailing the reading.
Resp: 6:47
